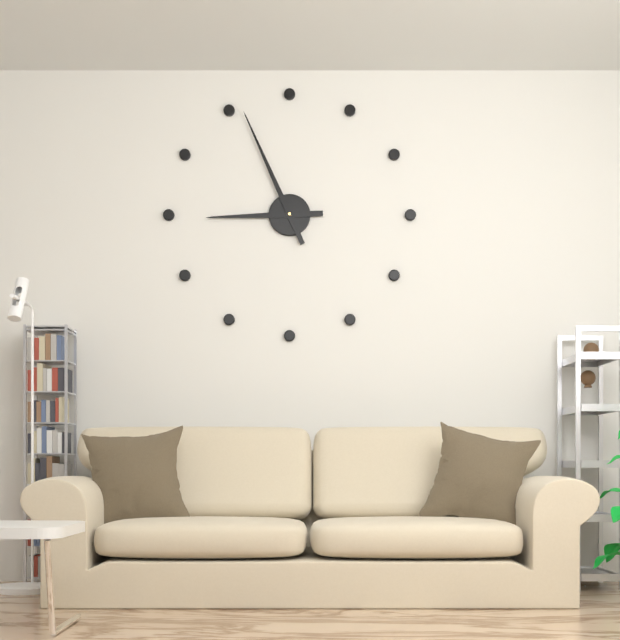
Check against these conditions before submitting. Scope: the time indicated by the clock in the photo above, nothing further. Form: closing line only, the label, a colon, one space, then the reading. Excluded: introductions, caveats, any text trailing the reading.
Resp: 8:56
